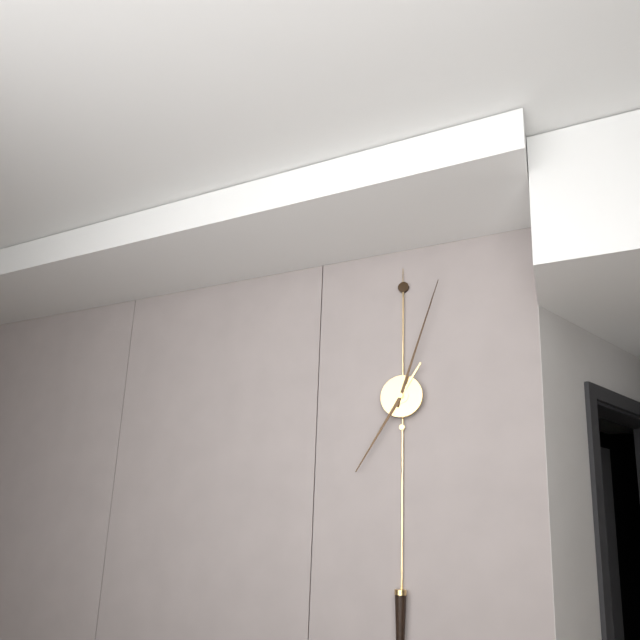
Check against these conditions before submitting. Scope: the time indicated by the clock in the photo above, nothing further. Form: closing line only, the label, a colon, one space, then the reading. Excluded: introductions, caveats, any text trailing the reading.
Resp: 7:03
